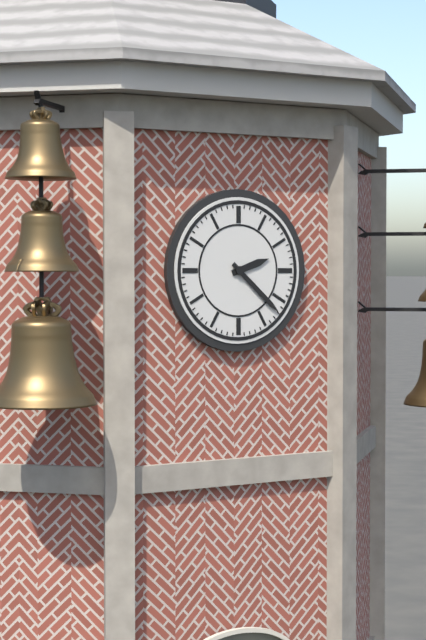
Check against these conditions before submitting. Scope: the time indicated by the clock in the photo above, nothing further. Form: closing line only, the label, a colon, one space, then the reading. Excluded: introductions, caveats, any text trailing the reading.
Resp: 2:22
